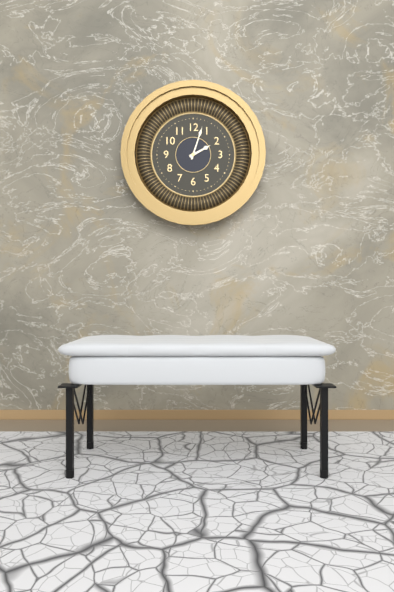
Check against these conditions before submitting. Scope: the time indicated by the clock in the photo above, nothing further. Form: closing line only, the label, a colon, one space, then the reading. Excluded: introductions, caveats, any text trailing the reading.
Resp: 2:03
